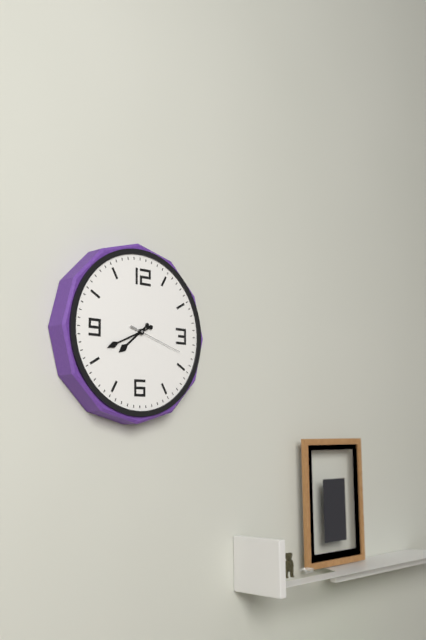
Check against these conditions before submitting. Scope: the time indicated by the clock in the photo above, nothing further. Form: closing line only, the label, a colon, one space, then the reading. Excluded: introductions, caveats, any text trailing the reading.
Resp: 7:41:18
